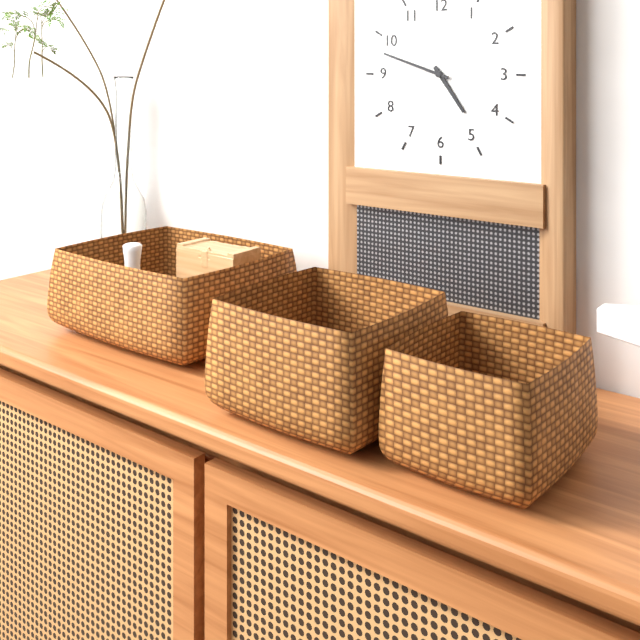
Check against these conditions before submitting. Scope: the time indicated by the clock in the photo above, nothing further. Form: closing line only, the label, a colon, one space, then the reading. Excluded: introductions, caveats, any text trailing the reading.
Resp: 4:48
